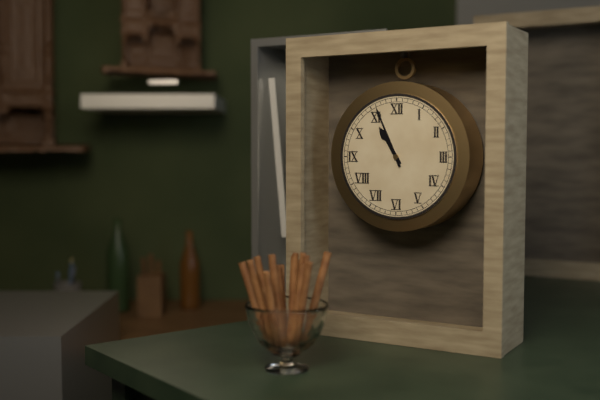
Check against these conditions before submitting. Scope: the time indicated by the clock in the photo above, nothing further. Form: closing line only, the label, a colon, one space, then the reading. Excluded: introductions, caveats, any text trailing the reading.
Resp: 10:56
